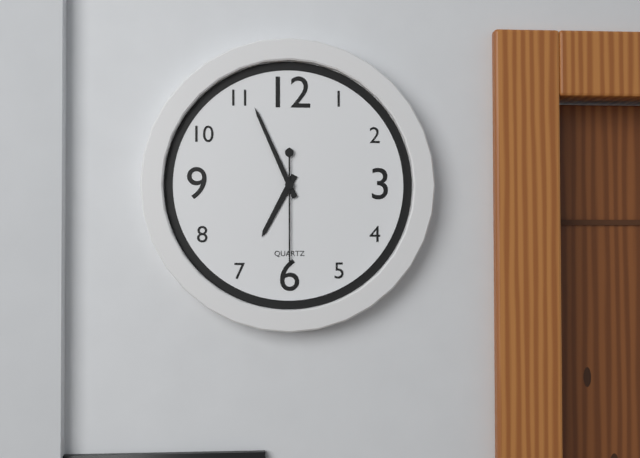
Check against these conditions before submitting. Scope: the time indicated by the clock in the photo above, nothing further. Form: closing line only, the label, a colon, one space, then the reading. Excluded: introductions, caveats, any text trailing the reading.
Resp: 6:56:30
